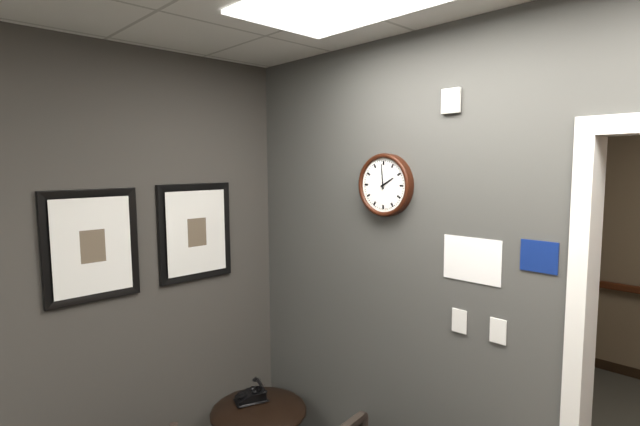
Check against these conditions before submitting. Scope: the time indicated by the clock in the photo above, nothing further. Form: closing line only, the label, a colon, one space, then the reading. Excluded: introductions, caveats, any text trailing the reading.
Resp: 1:59
